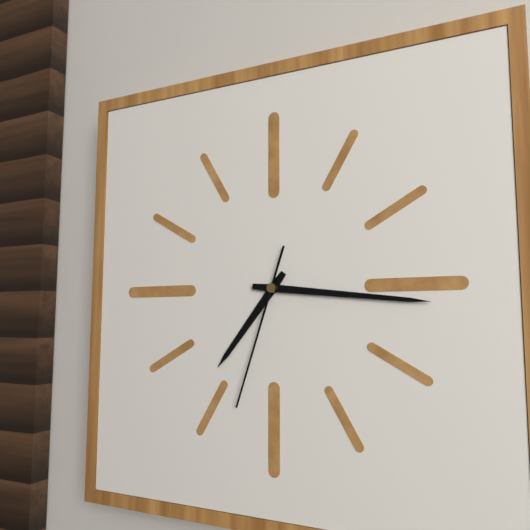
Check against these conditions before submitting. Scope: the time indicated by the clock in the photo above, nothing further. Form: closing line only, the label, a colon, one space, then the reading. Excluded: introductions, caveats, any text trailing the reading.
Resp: 7:16:33
